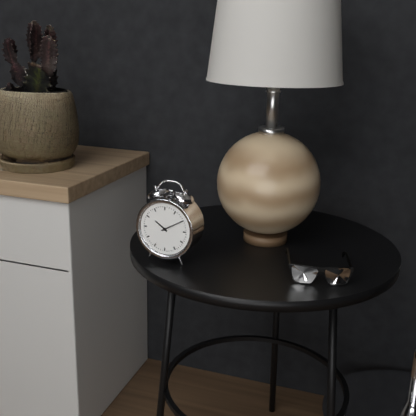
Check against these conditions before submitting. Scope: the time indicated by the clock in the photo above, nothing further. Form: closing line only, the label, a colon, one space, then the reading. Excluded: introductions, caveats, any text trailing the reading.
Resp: 10:10
